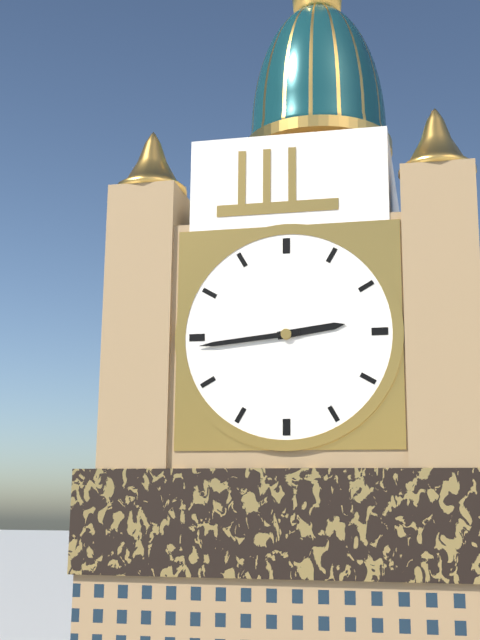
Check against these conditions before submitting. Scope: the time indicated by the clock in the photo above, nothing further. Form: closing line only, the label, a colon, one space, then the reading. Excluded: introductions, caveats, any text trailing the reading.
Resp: 2:44
